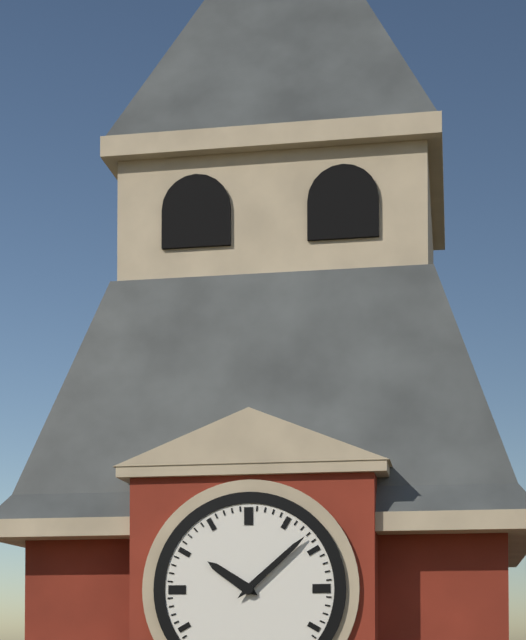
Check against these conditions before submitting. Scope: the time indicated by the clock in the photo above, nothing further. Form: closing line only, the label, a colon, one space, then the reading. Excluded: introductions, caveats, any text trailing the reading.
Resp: 10:08
